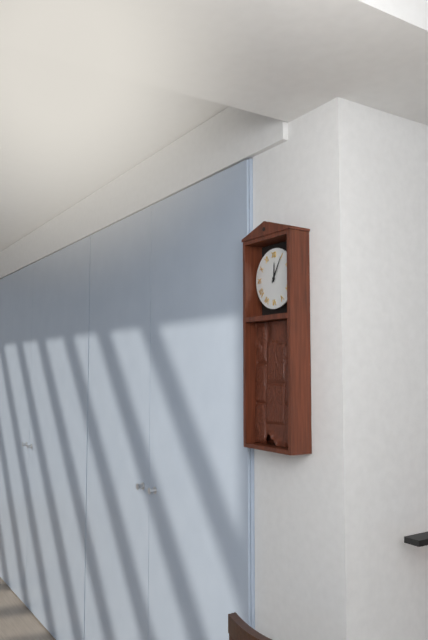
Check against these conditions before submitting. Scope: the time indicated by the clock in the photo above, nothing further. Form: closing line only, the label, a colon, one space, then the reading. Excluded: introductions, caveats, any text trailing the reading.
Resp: 12:05
